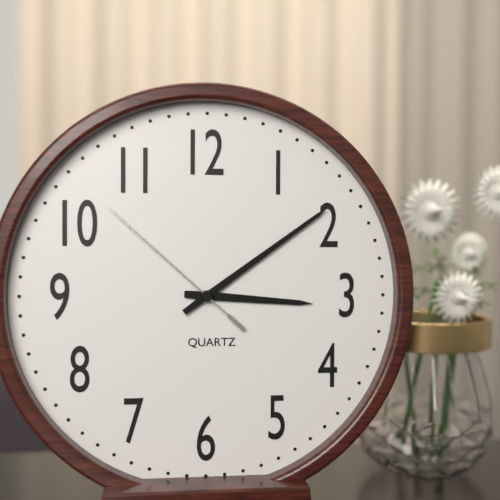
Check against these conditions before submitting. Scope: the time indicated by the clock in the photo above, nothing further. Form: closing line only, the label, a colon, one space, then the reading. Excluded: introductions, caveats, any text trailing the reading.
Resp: 3:09:52
